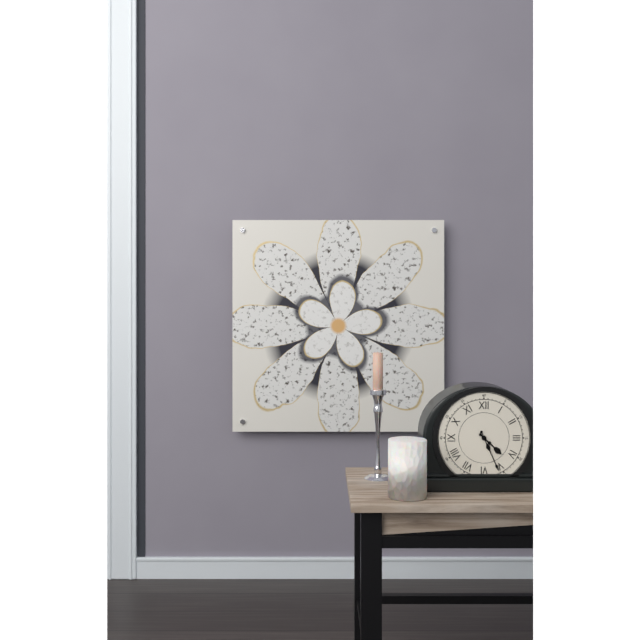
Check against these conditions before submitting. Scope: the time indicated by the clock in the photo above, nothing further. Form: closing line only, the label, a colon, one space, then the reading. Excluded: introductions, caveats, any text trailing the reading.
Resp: 4:26
